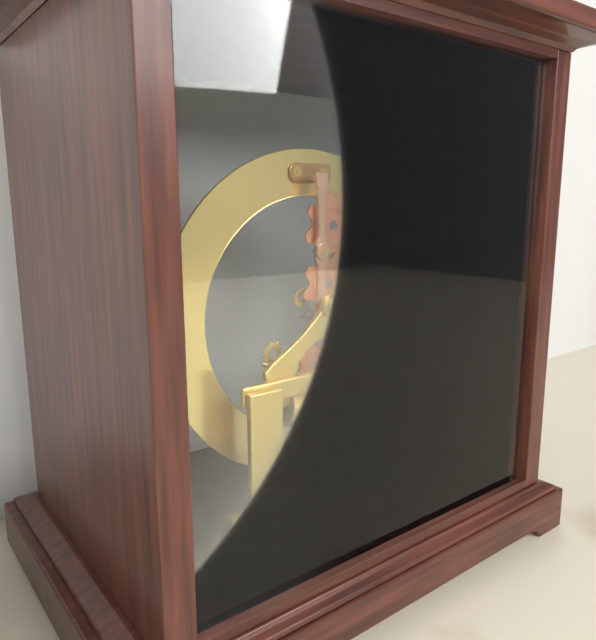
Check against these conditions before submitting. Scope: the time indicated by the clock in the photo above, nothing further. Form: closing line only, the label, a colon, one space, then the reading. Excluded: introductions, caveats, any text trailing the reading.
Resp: 3:15
